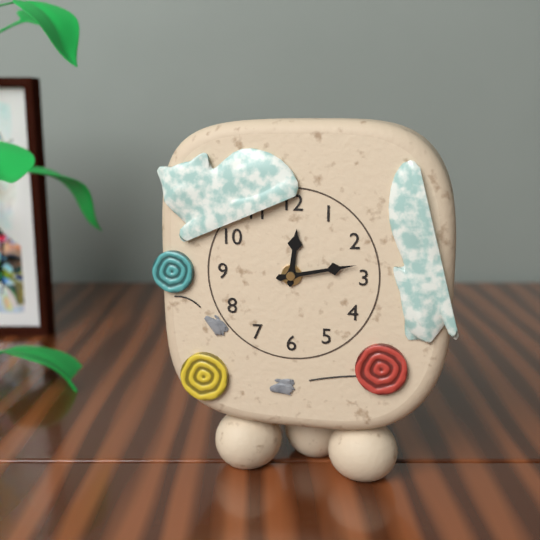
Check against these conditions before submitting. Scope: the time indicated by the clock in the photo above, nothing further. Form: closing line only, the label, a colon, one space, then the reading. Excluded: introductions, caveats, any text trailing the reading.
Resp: 12:13
